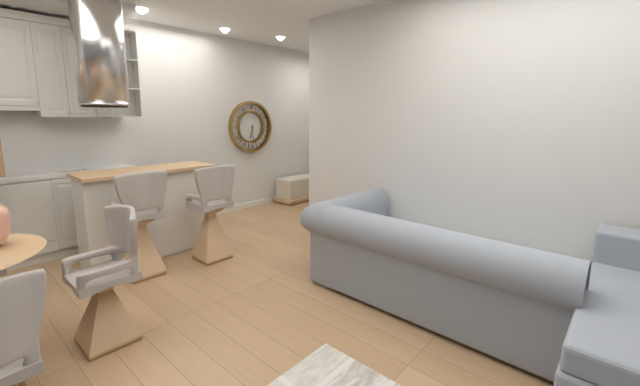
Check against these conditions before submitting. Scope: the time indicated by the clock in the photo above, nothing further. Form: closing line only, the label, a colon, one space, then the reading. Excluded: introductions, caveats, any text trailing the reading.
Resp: 6:30
